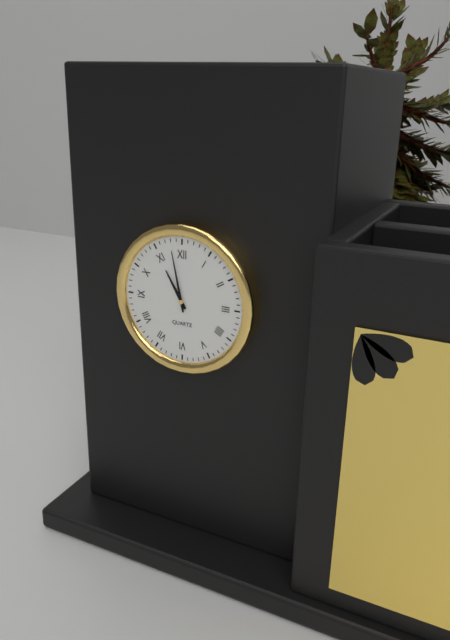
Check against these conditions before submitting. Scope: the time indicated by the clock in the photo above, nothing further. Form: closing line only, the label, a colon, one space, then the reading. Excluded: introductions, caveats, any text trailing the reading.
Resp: 10:58
